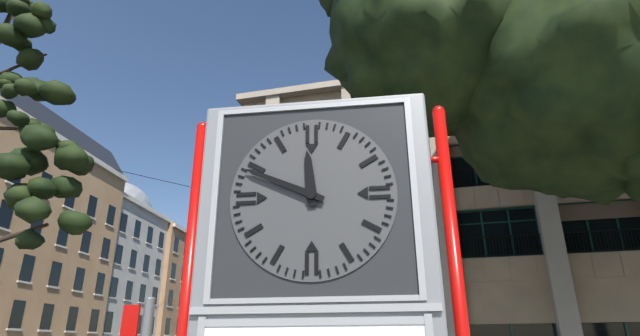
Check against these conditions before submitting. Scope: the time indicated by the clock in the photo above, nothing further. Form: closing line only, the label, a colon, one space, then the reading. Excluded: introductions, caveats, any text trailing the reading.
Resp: 11:49
